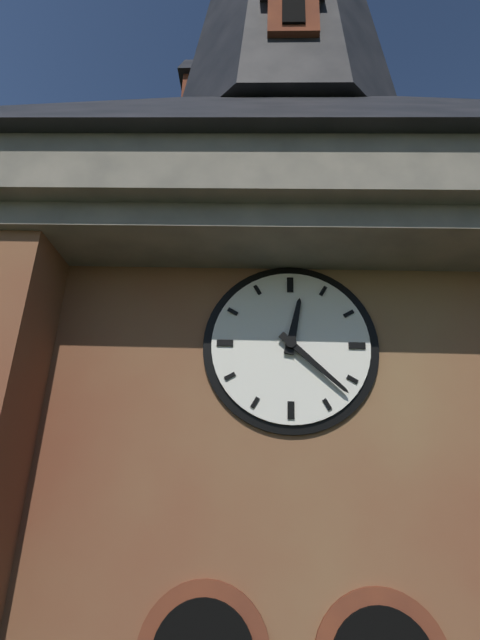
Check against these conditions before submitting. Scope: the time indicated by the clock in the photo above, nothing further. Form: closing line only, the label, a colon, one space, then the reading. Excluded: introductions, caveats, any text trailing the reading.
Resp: 12:22
